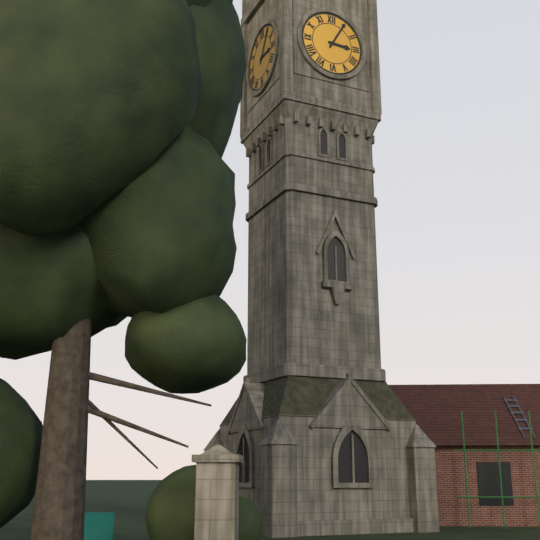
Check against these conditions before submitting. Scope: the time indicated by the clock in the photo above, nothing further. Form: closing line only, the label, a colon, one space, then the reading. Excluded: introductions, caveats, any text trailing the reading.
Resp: 3:05
